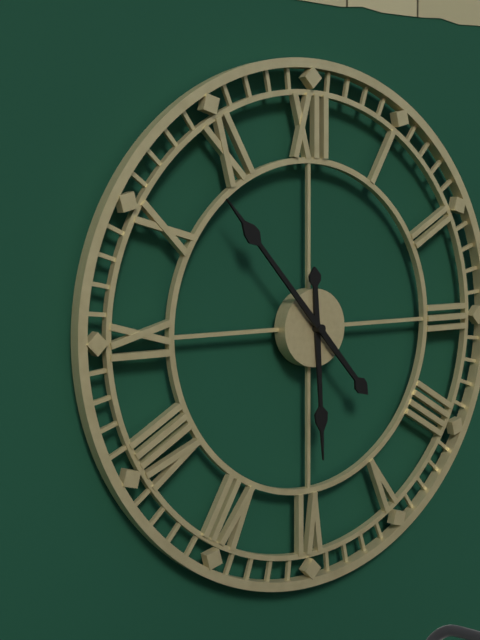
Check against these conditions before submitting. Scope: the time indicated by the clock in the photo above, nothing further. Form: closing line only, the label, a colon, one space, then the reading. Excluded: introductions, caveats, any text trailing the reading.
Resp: 5:53
